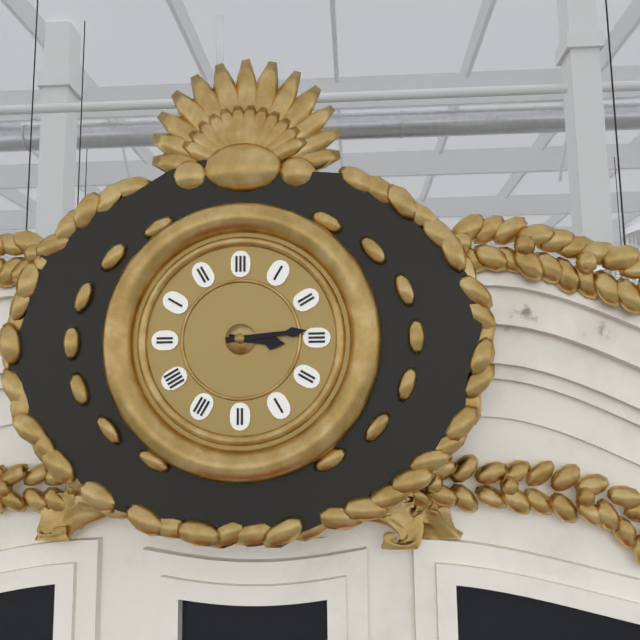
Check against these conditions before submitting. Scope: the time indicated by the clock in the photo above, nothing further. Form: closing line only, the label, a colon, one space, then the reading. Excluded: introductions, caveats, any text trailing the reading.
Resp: 3:14
